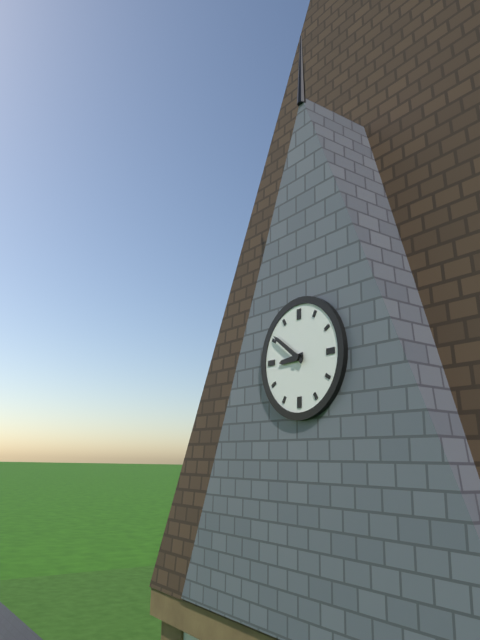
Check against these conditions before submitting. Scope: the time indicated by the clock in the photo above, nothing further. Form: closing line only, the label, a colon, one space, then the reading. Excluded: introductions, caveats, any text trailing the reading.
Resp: 8:51
